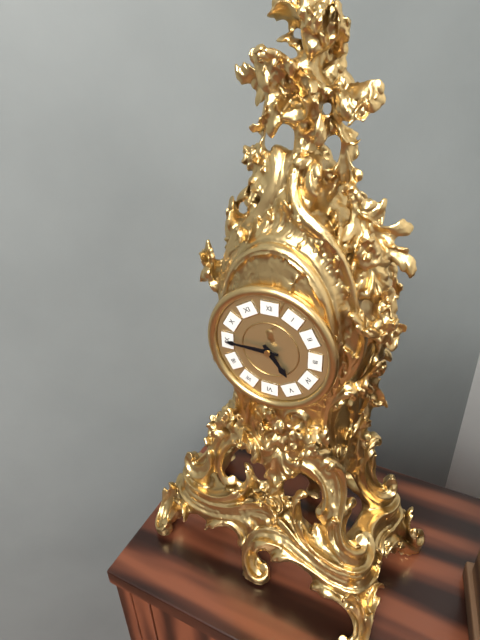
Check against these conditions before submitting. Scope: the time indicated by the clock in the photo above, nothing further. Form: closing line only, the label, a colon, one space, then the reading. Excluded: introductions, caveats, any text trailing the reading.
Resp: 4:45
